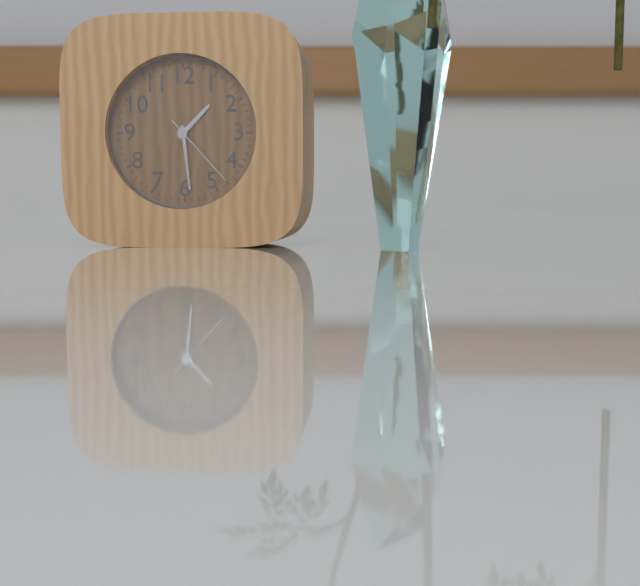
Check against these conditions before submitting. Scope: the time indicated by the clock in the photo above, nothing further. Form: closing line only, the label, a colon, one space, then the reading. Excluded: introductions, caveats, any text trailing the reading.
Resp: 1:29:23
